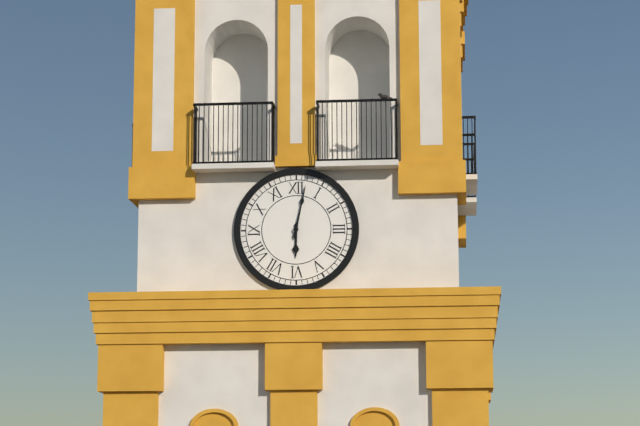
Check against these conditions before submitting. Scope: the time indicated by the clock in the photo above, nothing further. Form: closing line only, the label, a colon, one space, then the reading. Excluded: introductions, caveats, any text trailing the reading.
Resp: 6:02
